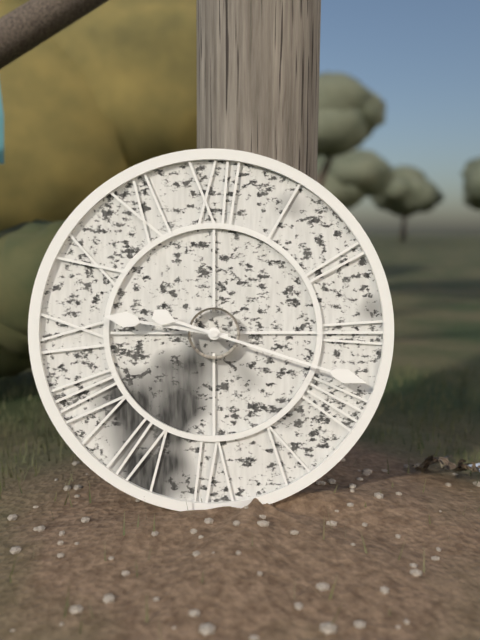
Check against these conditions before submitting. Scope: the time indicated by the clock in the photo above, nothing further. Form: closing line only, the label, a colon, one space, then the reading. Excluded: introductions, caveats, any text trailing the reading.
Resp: 9:18
